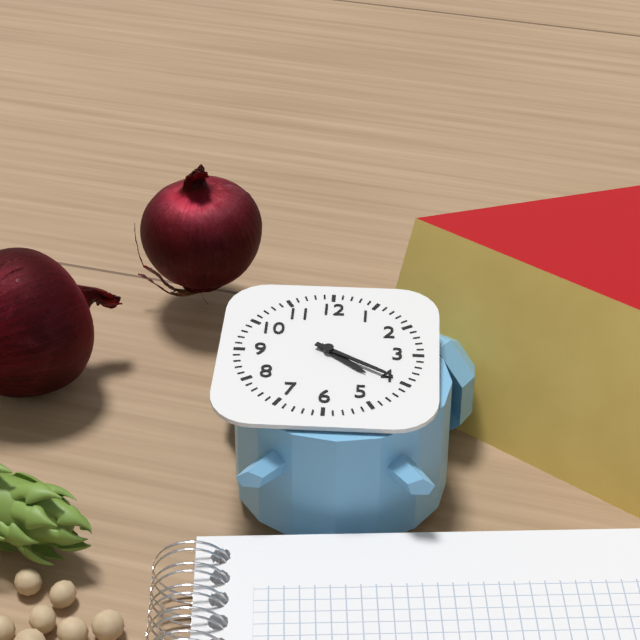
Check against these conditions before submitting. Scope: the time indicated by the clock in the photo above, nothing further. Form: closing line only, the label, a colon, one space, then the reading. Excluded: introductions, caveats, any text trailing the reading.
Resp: 4:20
